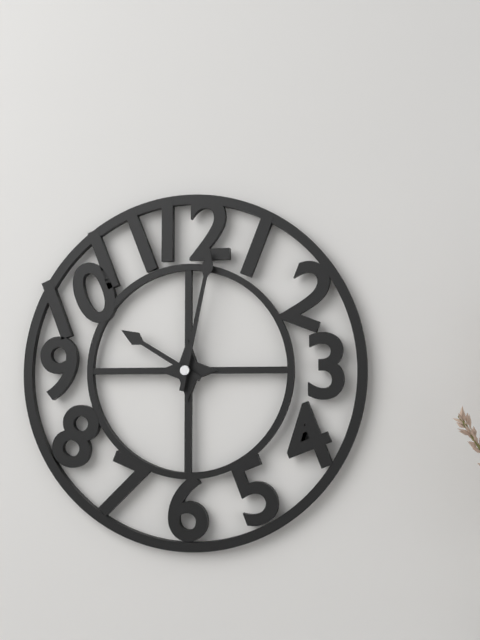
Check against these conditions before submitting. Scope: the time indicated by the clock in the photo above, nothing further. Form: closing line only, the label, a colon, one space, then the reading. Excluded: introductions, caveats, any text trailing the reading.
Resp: 10:02
